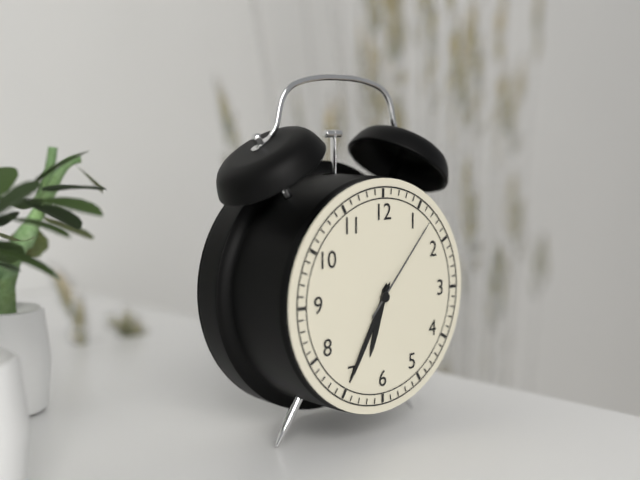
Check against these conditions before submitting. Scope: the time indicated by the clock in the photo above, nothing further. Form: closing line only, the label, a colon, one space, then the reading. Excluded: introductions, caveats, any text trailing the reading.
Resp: 6:35:07
